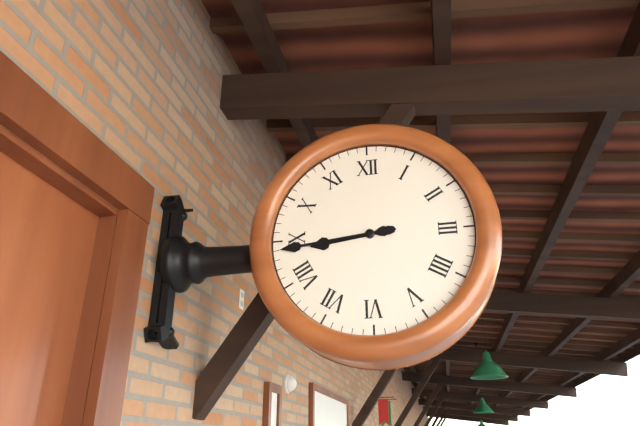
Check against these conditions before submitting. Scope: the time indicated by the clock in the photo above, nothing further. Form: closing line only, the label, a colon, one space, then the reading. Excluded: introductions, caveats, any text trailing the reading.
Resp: 8:44
